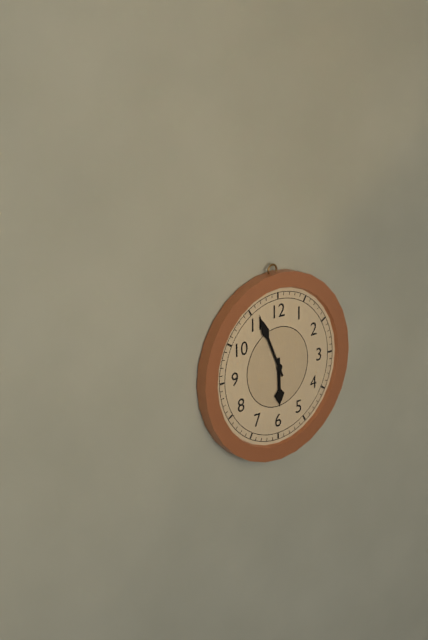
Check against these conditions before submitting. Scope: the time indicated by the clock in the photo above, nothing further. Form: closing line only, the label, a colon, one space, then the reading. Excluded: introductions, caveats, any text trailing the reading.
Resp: 5:56
